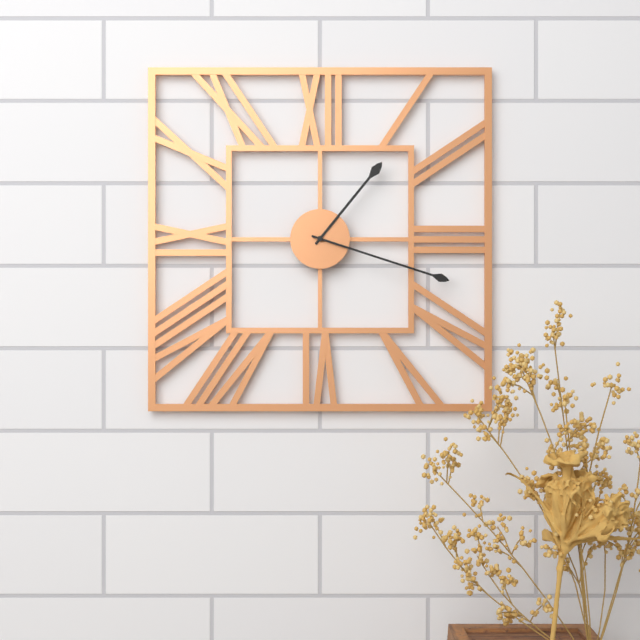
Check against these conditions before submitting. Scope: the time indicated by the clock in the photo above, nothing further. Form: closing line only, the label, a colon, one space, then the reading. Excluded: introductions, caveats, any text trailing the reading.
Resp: 1:18
